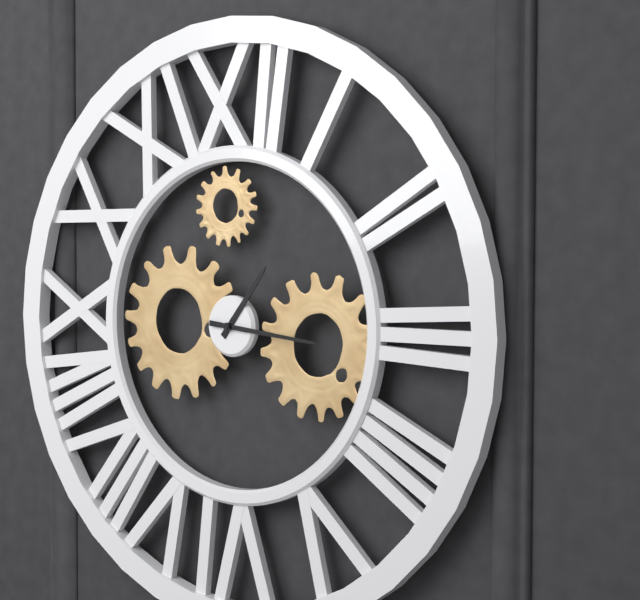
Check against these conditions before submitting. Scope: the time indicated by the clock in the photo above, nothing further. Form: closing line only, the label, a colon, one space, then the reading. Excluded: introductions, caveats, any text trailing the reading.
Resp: 1:16
